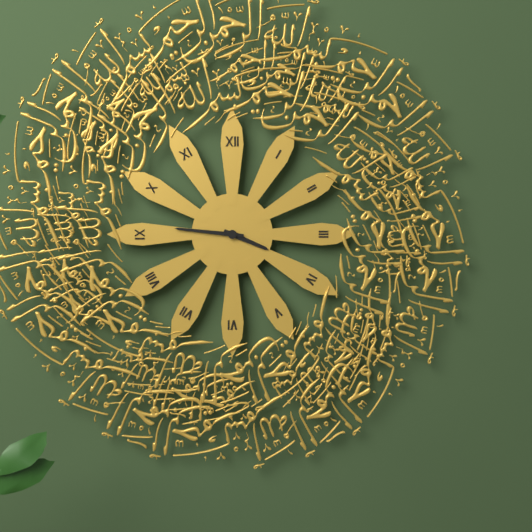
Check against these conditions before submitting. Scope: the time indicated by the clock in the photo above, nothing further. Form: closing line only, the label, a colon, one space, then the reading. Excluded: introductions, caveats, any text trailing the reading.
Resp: 3:46
